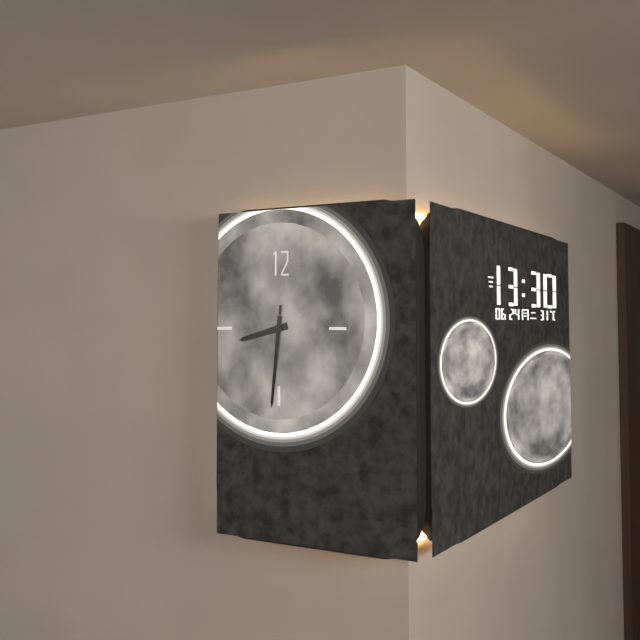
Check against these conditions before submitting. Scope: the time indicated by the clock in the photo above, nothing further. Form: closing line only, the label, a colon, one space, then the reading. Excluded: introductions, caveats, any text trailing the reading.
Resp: 8:31:31
